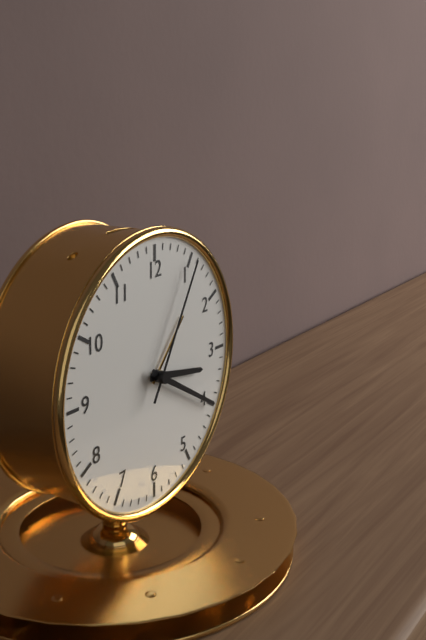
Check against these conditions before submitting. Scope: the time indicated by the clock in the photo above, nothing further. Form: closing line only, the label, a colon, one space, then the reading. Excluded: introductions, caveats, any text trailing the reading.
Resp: 3:20:05
